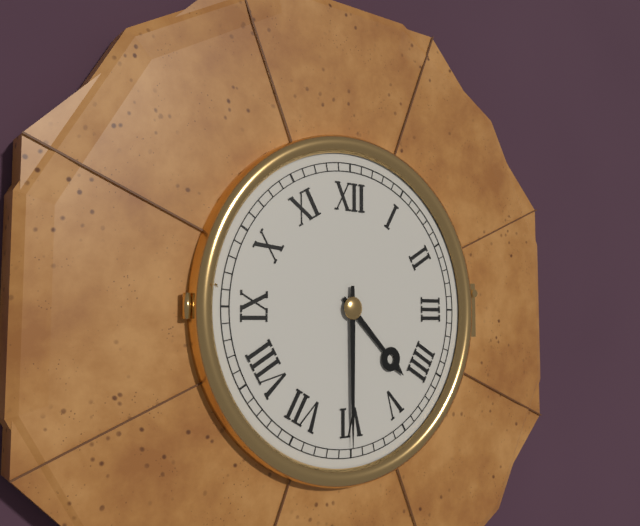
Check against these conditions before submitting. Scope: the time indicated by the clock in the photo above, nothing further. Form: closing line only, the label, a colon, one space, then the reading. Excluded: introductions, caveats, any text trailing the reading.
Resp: 4:30
